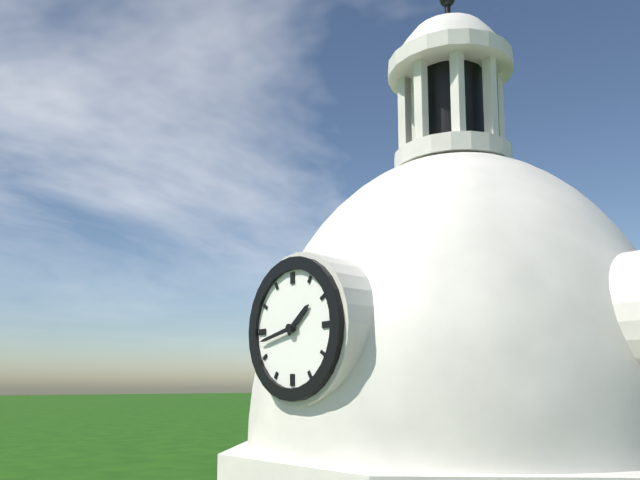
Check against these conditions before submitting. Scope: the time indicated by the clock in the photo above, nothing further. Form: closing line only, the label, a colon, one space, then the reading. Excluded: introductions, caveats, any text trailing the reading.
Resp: 1:43
